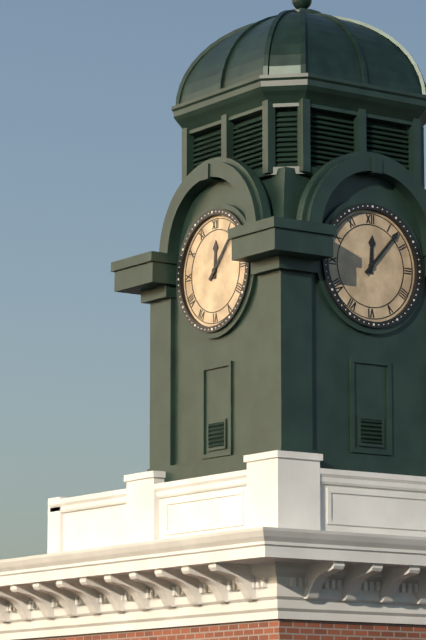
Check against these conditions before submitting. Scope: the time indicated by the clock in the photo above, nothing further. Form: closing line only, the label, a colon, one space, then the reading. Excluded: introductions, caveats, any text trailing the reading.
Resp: 12:07
